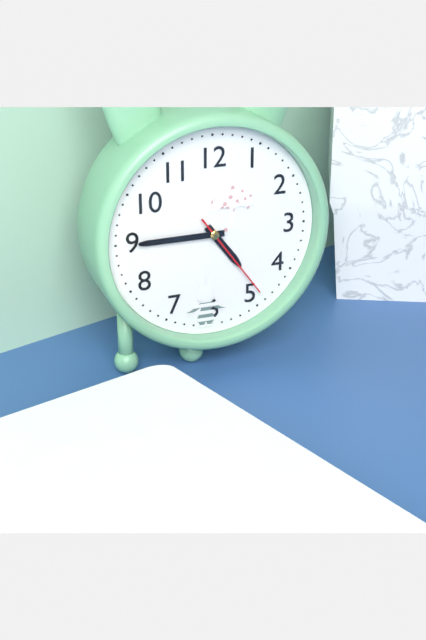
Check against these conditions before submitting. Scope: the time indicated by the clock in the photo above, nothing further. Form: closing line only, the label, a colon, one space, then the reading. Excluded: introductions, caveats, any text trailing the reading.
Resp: 4:45:24
